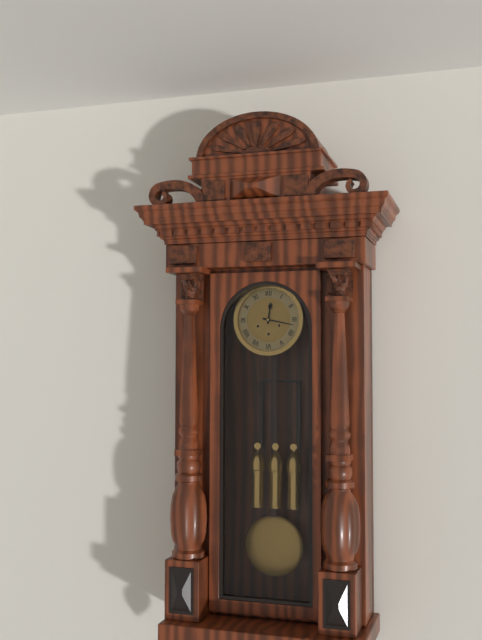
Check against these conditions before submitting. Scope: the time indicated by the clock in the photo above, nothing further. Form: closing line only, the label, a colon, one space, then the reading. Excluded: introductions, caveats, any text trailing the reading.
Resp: 12:17
